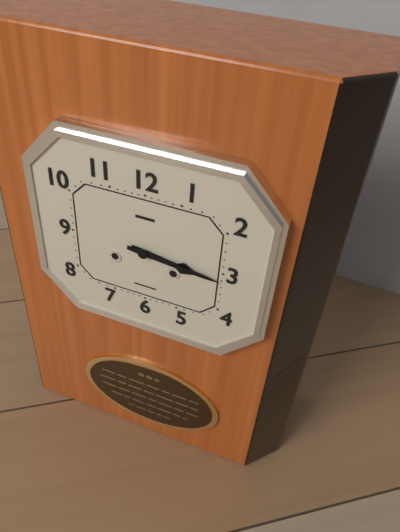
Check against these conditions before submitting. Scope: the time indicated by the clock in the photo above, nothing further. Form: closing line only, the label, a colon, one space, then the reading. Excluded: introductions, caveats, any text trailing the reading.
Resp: 3:16
